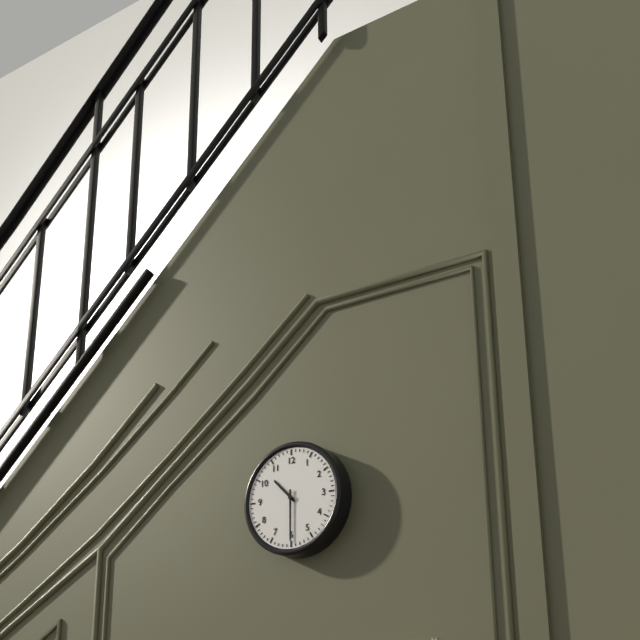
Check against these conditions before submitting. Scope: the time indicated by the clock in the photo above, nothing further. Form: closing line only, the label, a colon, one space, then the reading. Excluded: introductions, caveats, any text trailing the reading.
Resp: 10:30
